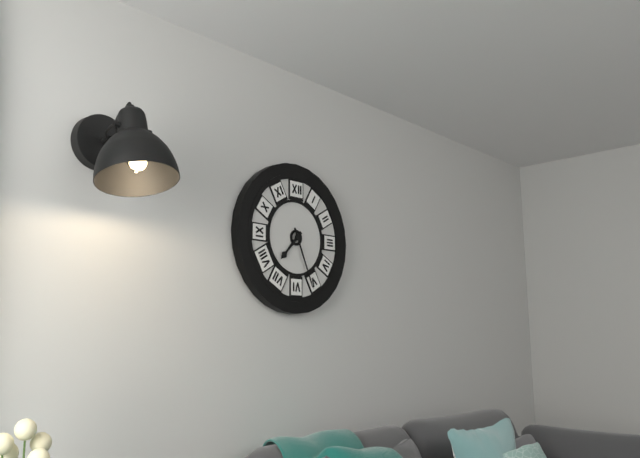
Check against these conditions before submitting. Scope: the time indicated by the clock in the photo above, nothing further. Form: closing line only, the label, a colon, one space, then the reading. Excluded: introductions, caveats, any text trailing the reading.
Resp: 7:26
